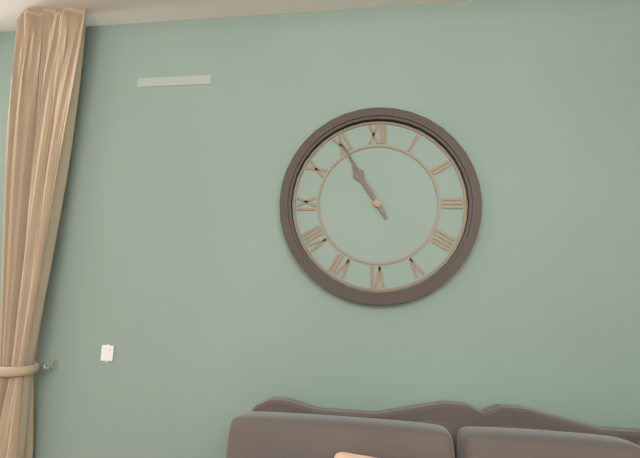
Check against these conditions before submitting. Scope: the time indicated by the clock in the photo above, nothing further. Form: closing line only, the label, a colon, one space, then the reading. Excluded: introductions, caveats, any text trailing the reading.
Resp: 10:55
